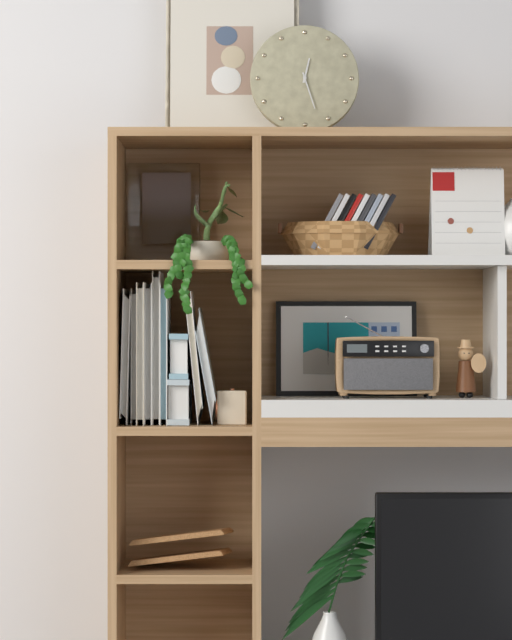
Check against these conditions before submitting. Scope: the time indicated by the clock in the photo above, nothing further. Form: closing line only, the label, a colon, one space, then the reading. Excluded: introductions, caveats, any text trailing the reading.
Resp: 12:27
